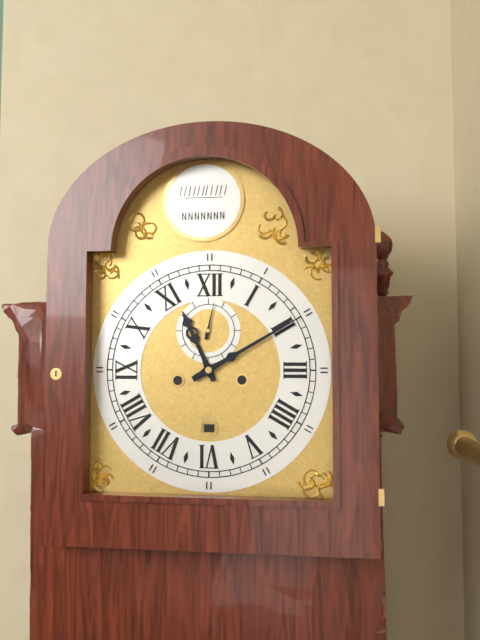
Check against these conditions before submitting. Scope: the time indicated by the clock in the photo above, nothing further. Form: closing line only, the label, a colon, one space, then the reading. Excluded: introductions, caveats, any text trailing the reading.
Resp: 11:10
